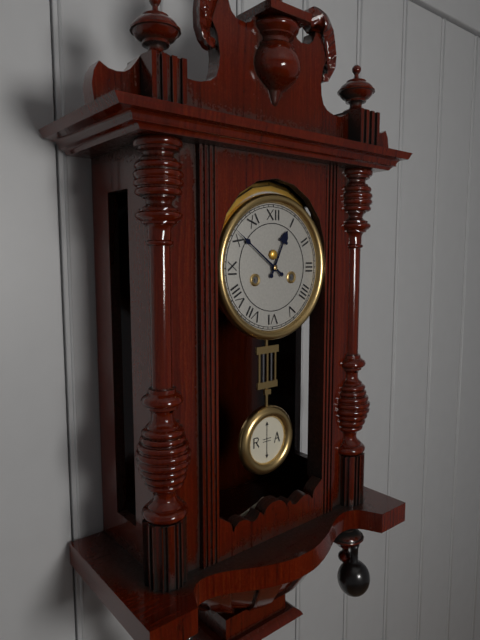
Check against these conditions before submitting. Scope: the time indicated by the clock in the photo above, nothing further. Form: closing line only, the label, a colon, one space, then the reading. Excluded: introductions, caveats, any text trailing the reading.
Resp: 12:51
